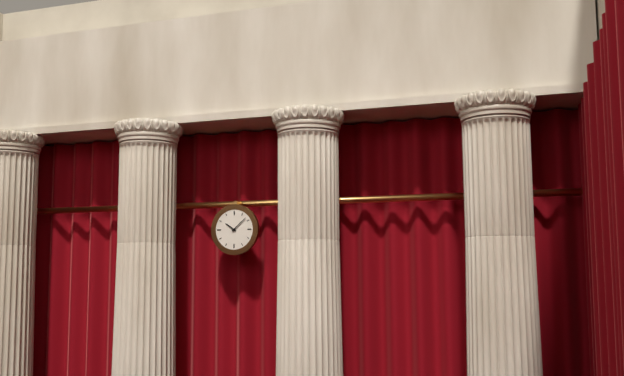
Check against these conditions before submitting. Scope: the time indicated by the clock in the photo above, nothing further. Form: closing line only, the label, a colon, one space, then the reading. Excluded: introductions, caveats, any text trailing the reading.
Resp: 10:08
